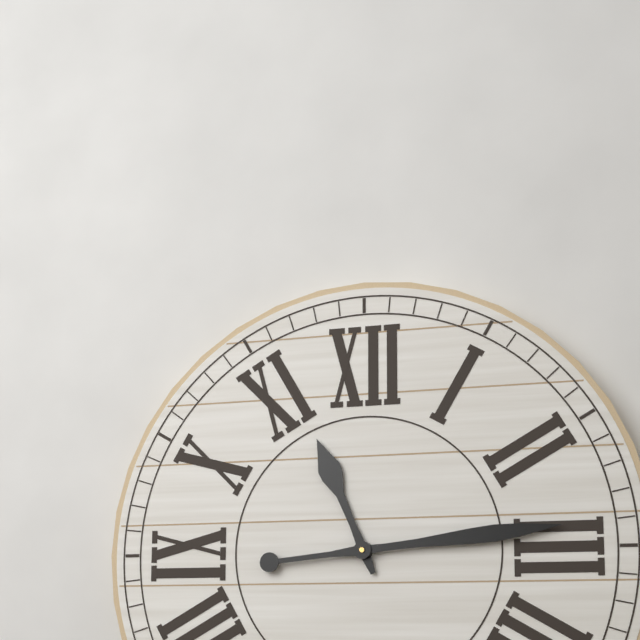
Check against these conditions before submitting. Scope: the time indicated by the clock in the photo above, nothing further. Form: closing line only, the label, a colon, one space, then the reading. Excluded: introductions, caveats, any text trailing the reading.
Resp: 11:14
